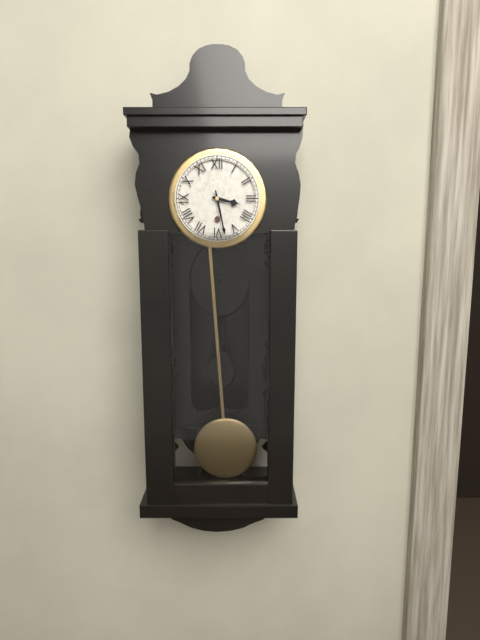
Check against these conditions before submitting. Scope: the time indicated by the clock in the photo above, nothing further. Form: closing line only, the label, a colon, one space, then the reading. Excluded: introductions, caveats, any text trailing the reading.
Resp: 3:28
